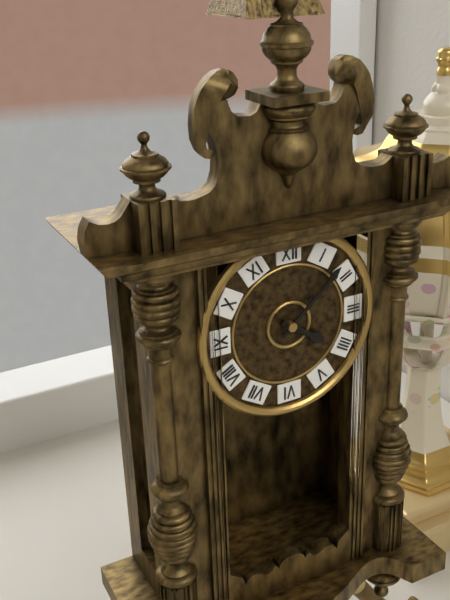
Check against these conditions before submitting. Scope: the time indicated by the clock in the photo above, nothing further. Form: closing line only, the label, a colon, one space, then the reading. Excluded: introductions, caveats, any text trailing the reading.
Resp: 4:08
